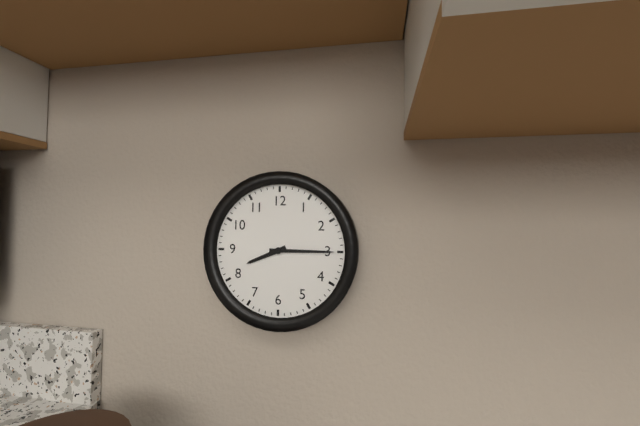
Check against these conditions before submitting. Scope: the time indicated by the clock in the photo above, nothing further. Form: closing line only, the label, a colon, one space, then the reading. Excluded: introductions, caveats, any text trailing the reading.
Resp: 8:15
